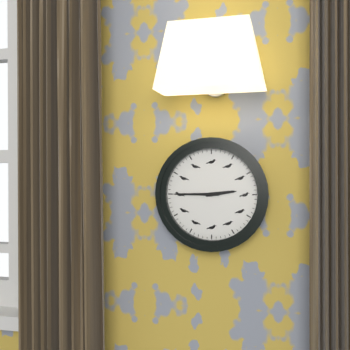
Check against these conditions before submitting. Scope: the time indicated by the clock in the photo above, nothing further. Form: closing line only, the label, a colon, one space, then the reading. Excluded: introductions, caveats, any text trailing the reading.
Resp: 2:45
